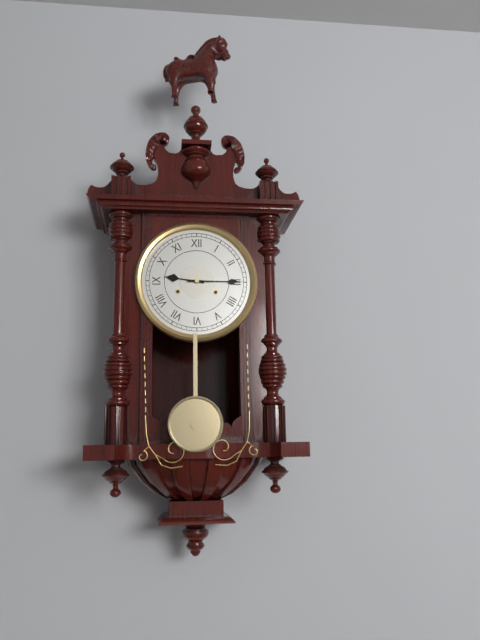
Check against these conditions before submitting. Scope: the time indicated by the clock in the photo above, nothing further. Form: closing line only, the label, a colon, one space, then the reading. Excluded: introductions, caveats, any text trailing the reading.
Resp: 9:15
